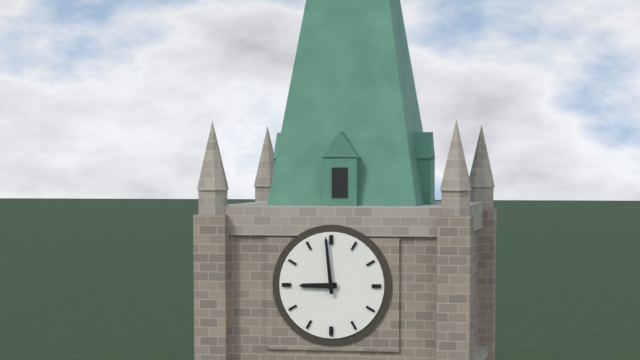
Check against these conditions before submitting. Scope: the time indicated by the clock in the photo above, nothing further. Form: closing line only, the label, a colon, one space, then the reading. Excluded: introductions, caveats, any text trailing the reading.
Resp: 8:59
